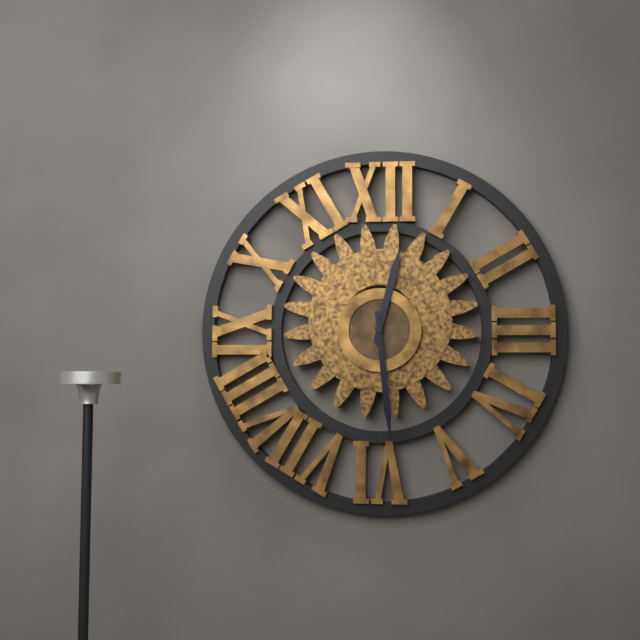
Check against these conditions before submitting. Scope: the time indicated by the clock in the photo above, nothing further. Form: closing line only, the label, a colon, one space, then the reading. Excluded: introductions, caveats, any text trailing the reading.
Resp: 12:29
